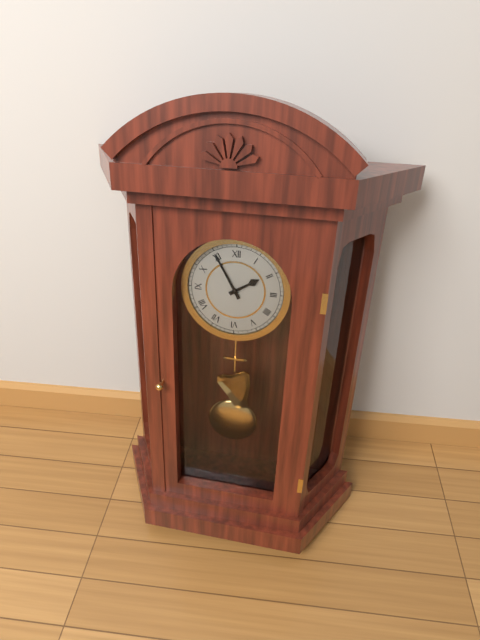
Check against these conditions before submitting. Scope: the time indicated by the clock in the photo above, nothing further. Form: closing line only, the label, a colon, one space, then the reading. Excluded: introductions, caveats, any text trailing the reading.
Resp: 1:55
